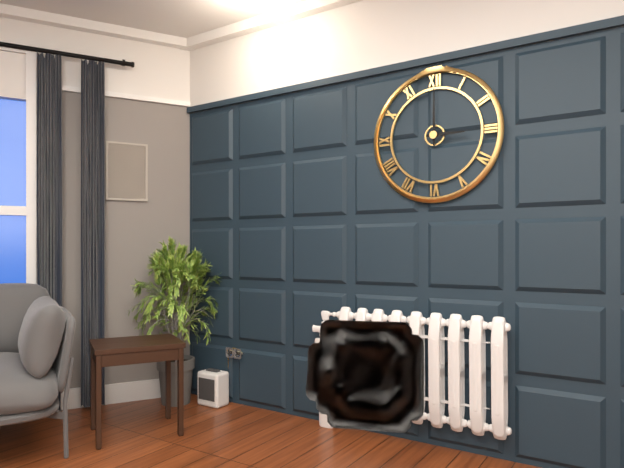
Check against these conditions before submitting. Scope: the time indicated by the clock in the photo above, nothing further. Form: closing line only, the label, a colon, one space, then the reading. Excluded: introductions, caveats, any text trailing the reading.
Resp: 3:00
